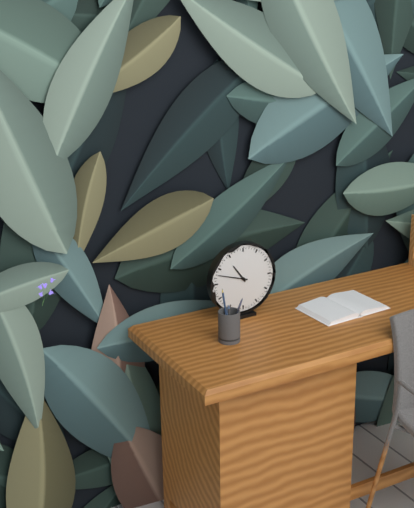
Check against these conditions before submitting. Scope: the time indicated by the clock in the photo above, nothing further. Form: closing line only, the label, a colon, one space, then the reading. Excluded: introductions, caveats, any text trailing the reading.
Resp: 10:48
